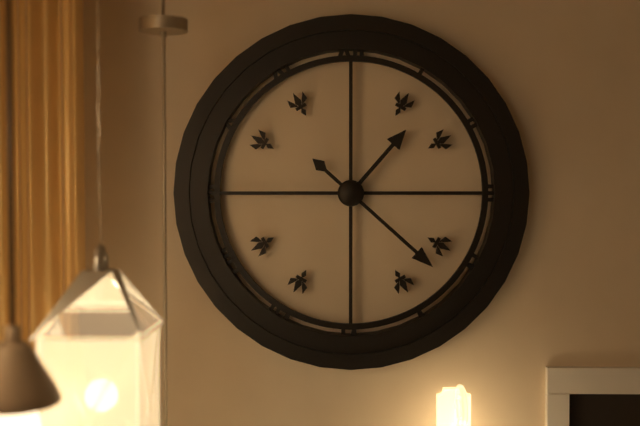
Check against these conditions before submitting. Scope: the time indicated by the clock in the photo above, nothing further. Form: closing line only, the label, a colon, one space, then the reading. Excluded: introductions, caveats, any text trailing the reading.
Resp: 1:22
